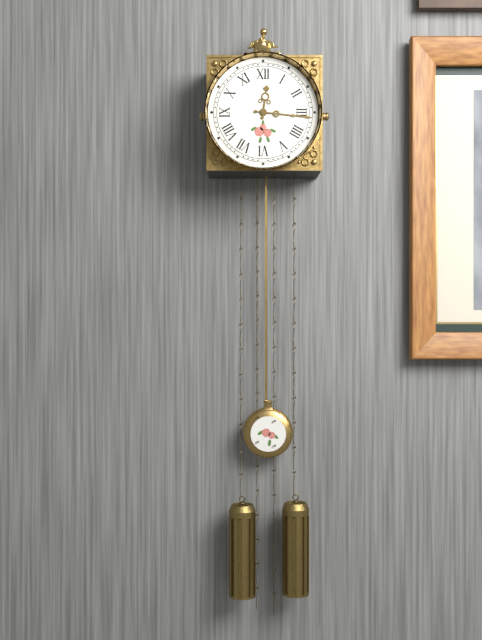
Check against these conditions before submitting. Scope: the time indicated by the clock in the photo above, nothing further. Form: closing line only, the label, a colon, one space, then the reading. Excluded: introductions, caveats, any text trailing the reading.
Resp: 12:16
